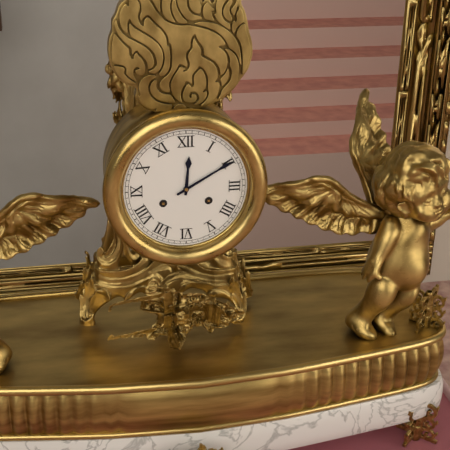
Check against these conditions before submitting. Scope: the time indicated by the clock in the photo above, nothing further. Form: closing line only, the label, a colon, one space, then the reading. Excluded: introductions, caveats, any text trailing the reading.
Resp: 12:10
